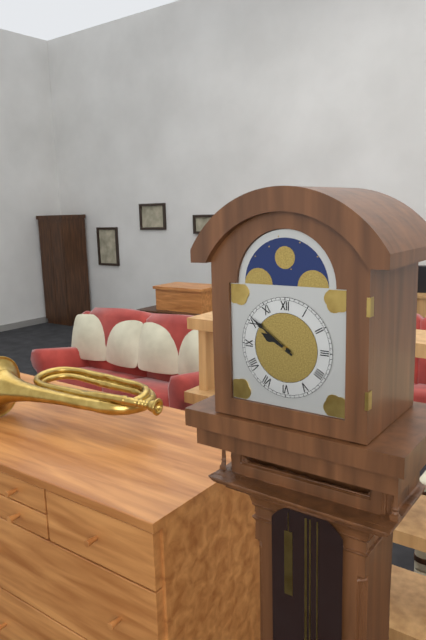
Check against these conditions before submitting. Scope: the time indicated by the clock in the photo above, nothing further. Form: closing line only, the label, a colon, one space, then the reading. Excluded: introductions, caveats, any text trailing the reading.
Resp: 9:51
